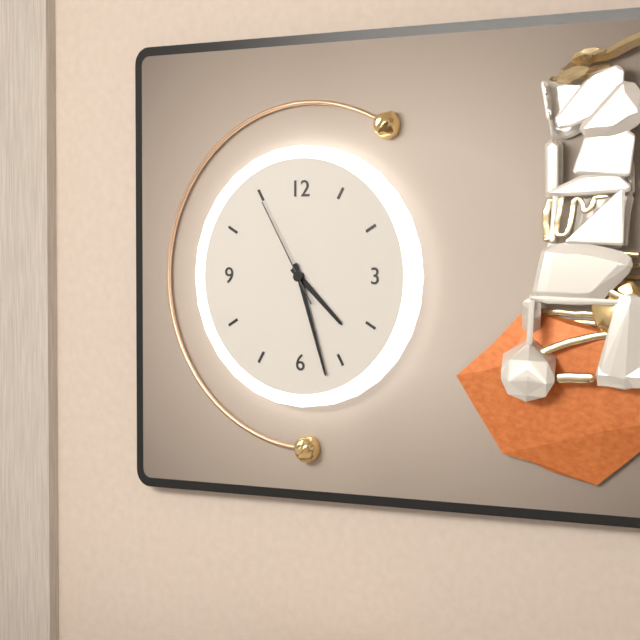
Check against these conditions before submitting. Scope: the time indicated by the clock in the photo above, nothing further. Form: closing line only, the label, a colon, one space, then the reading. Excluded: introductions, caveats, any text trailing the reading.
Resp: 4:27:55
